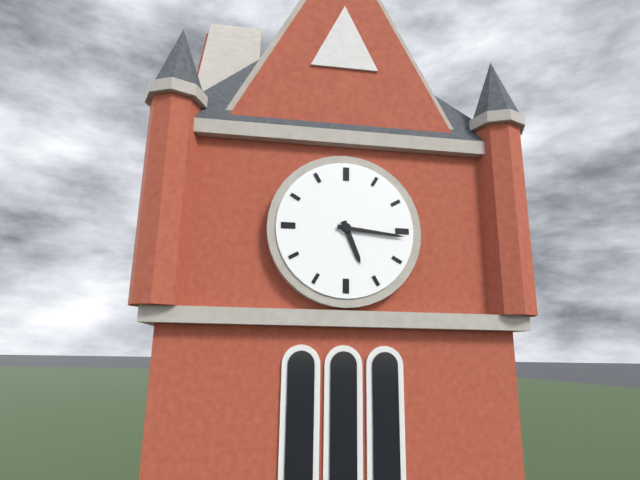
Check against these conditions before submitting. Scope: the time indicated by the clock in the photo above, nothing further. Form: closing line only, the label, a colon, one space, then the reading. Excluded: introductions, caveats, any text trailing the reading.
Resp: 5:16
